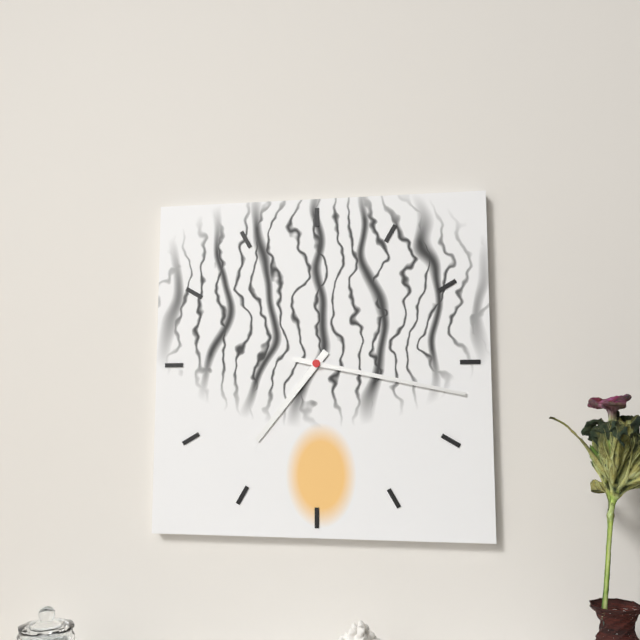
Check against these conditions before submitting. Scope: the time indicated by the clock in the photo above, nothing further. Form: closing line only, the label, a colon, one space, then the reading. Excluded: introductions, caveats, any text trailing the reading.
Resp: 7:17
